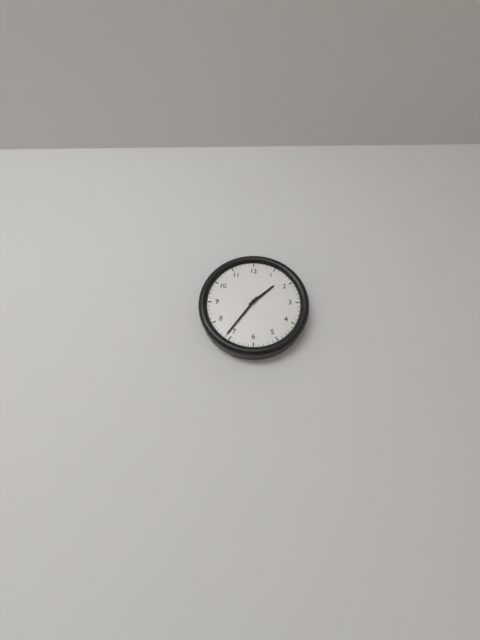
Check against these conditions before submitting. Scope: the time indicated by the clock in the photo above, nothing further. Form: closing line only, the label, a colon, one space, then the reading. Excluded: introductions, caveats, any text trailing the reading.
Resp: 1:36
